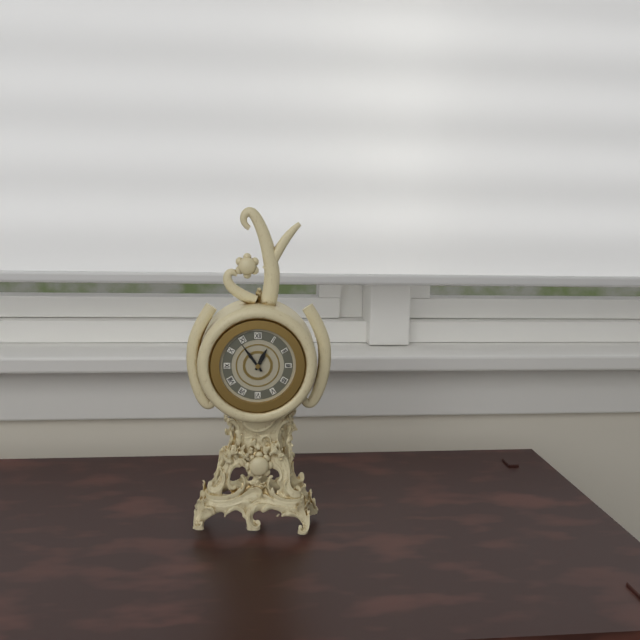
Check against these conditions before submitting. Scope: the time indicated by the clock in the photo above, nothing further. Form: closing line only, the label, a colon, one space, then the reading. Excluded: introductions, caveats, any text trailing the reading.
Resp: 12:54
